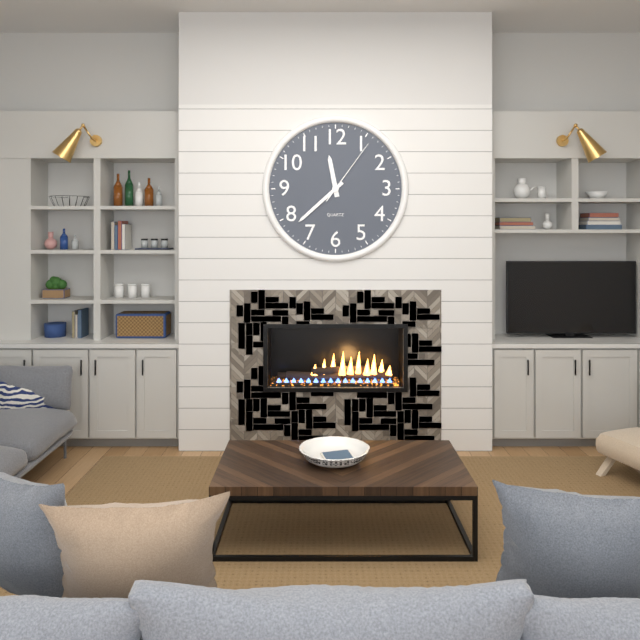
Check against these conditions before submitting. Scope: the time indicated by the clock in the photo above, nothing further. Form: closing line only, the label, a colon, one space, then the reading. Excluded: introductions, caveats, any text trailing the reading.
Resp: 11:38:06
